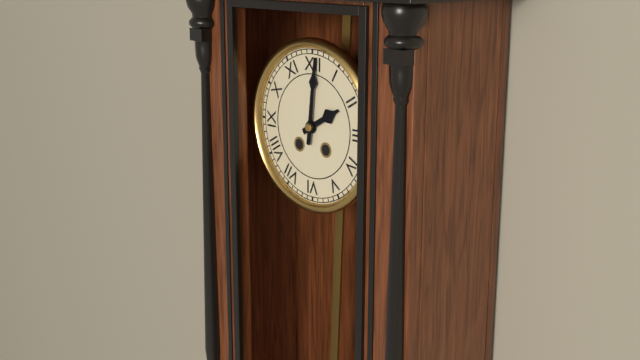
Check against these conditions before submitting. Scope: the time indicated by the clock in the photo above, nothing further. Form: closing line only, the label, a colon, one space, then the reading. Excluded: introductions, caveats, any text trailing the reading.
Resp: 2:01
